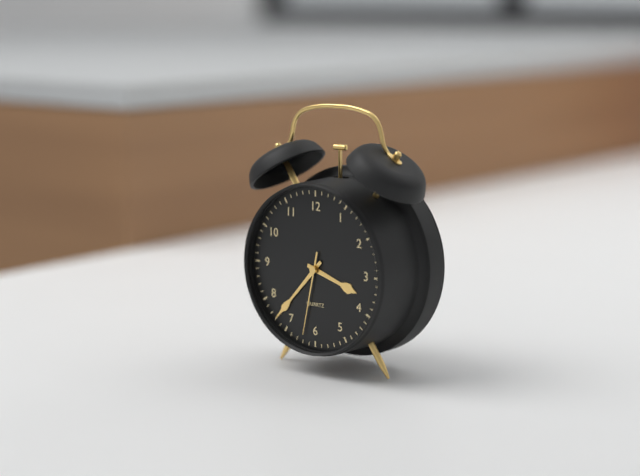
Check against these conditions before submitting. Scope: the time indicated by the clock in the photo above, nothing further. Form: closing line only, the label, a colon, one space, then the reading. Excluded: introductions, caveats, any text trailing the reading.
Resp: 3:37:32
